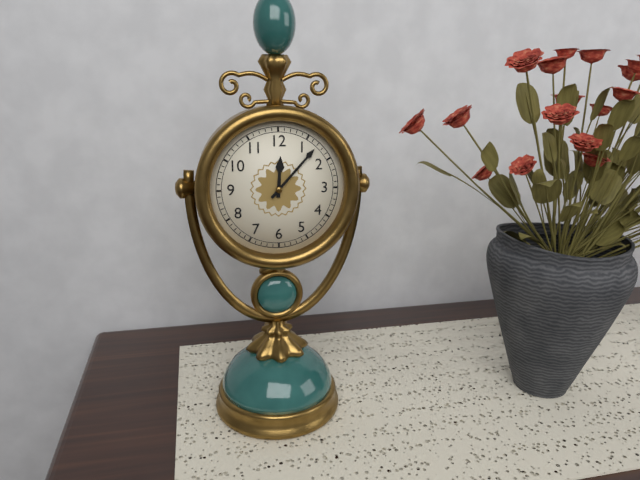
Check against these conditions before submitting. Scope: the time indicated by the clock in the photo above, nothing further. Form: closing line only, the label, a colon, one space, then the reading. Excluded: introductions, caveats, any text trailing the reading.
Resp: 12:07
